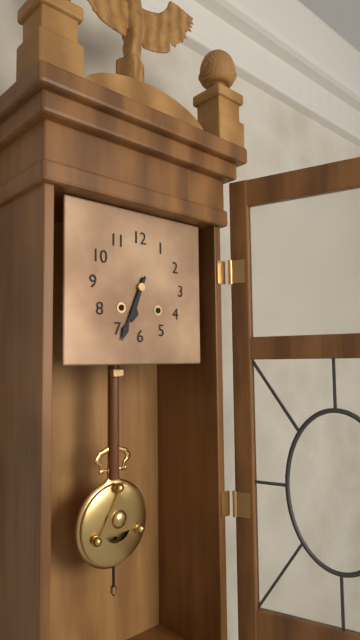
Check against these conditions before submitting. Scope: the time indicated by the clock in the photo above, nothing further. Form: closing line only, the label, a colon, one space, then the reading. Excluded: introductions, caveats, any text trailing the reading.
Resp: 6:34
